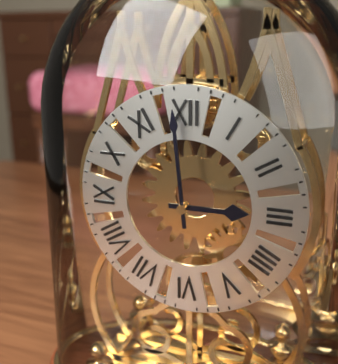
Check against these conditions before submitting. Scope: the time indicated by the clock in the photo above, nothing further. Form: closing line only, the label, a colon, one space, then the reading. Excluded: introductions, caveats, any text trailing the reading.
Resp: 2:59
